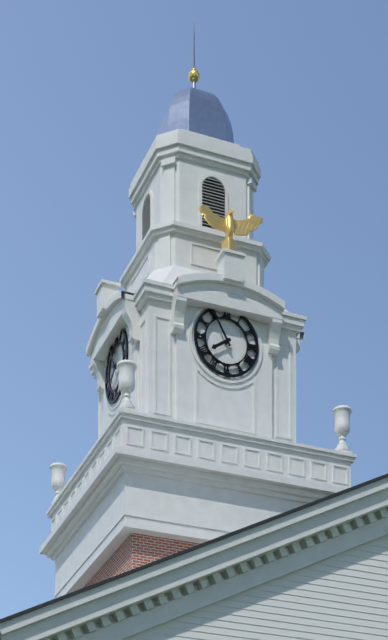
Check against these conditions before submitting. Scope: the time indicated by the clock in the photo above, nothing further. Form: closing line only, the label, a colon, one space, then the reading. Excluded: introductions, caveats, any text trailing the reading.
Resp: 7:55
